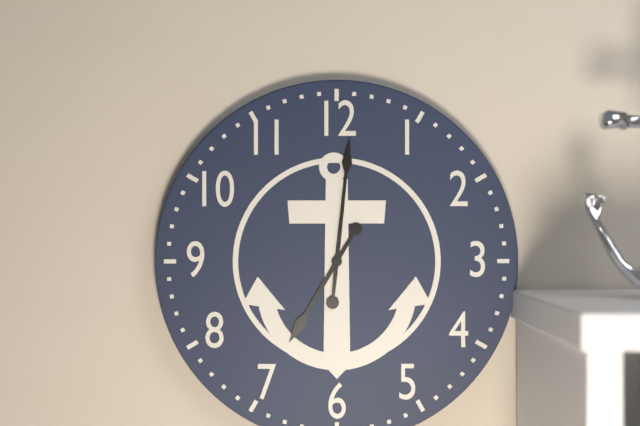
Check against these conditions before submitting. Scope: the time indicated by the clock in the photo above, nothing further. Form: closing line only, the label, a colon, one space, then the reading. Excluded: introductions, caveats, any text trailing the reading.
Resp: 7:01
